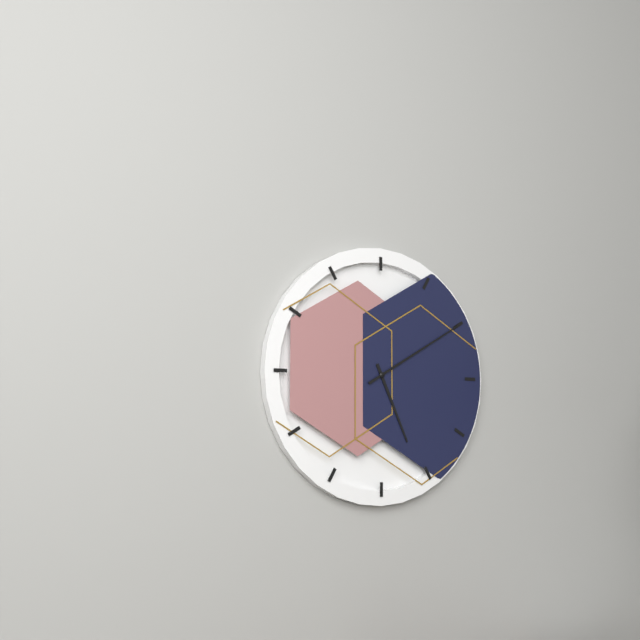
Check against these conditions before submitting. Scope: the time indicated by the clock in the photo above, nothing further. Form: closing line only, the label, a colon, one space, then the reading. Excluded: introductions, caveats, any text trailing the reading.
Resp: 5:10
